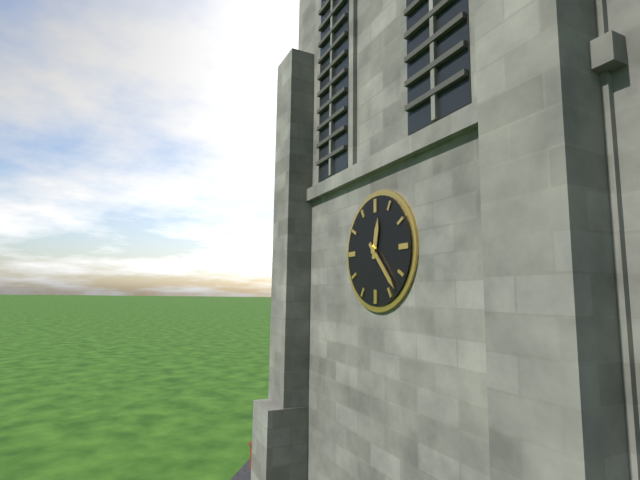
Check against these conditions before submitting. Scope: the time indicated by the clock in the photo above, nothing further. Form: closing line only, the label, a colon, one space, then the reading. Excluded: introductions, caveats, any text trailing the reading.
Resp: 12:23
